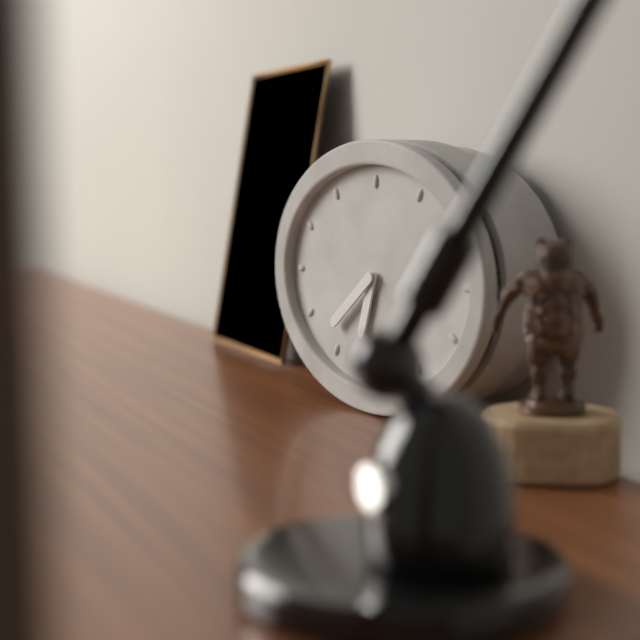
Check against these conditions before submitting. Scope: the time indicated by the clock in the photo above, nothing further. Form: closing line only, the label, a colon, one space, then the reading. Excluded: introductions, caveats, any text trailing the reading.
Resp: 6:39
